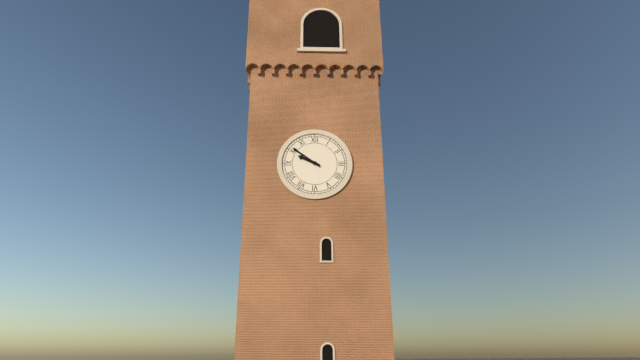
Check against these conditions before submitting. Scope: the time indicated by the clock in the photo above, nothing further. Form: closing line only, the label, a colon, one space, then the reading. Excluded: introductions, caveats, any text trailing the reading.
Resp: 9:51
